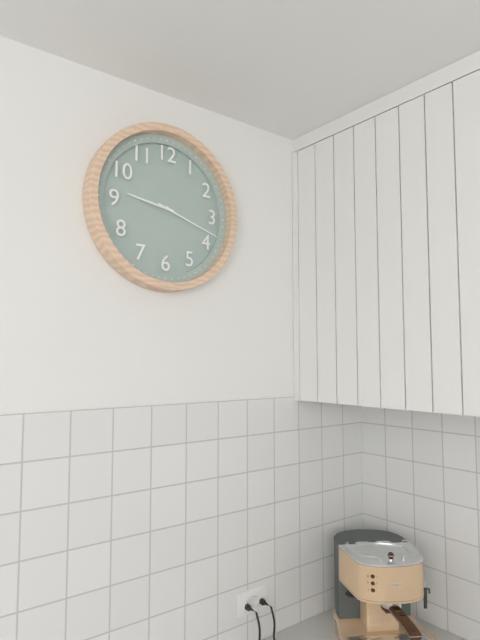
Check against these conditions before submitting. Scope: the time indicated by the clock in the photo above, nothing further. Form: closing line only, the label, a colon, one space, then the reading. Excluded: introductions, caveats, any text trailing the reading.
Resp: 9:18
